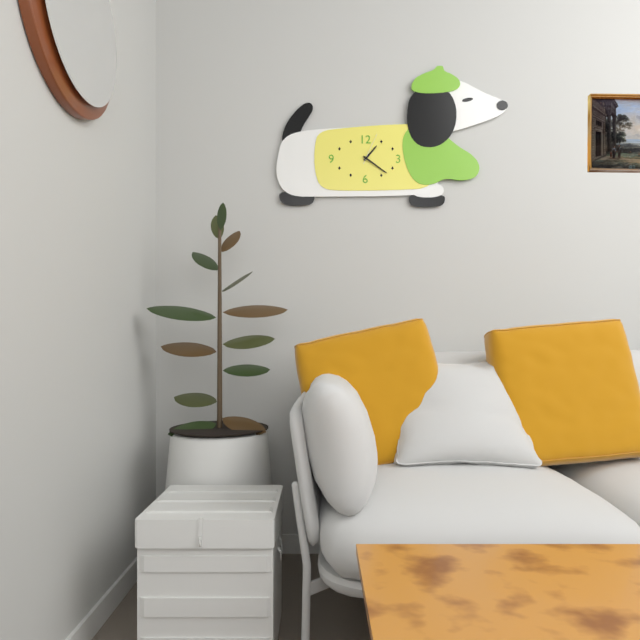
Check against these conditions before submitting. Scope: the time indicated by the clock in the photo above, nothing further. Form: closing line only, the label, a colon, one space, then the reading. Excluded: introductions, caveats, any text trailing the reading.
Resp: 1:21
